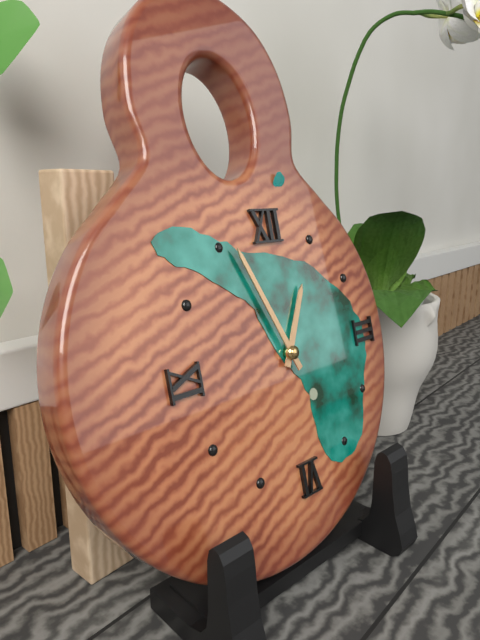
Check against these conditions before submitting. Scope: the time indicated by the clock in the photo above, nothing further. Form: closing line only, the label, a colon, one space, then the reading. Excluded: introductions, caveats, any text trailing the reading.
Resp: 12:56
